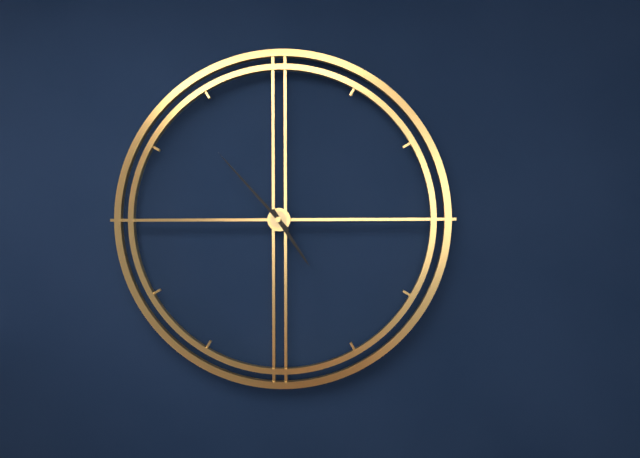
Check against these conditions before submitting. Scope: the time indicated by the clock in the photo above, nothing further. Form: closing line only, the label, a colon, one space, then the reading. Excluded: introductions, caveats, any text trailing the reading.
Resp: 4:53
